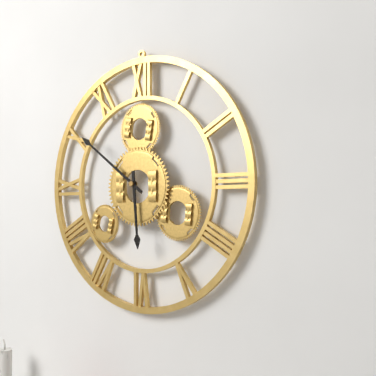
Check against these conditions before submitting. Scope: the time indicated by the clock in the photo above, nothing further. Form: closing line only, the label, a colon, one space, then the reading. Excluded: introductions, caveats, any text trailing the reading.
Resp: 5:51
